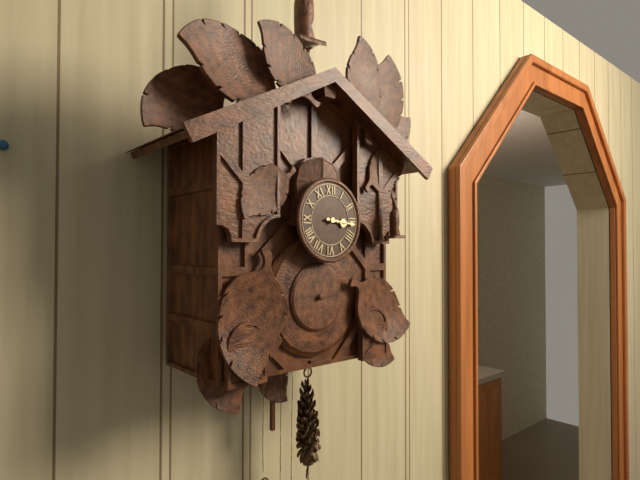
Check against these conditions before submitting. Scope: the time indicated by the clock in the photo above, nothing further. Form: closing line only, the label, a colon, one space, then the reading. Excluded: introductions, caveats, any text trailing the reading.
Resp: 3:16
